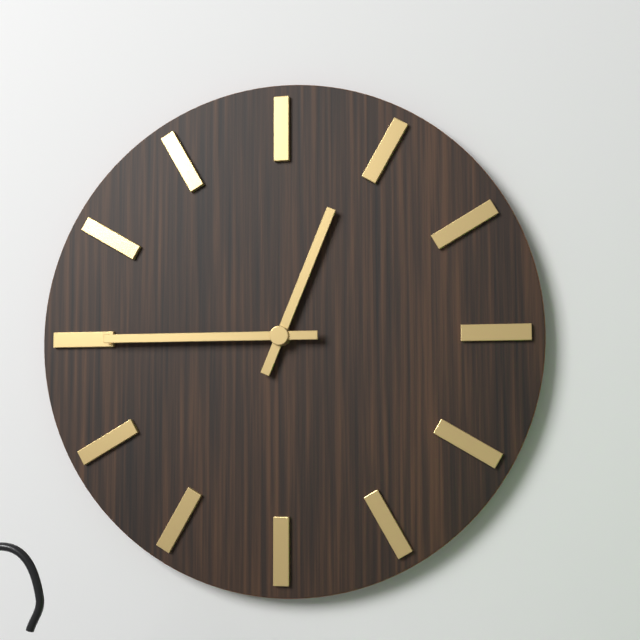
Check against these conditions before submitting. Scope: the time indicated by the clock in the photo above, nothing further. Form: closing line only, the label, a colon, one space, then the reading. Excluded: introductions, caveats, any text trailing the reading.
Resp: 12:45
